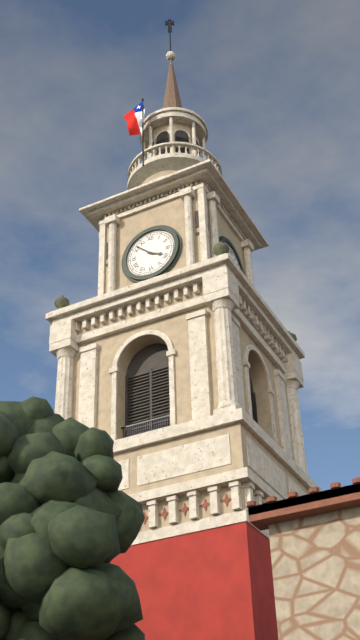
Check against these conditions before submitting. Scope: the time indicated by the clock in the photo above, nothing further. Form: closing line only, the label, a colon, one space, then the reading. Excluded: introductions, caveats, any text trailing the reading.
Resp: 3:52
